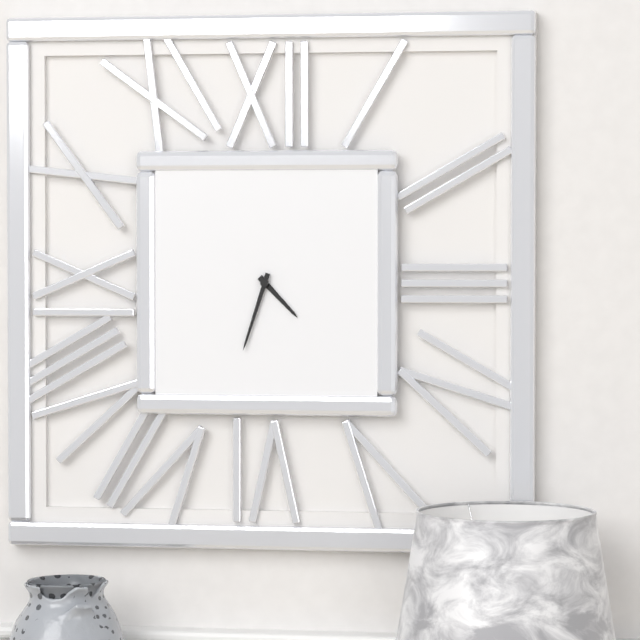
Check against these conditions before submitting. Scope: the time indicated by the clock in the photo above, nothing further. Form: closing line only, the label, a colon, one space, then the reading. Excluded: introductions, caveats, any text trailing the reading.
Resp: 4:33
